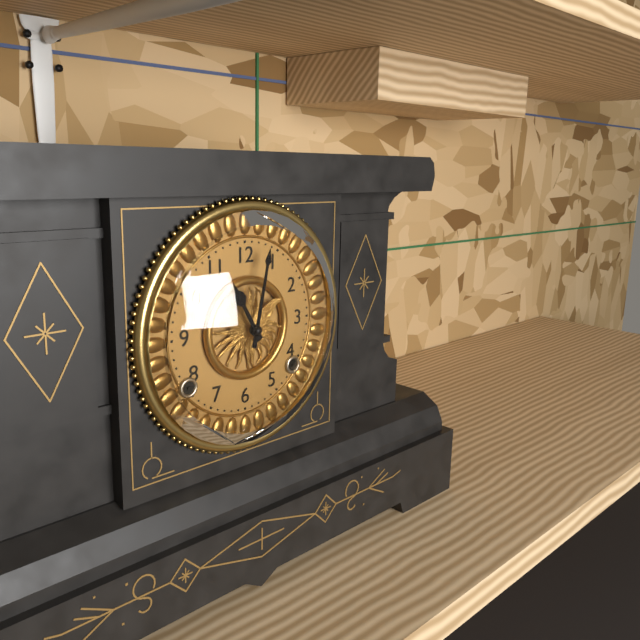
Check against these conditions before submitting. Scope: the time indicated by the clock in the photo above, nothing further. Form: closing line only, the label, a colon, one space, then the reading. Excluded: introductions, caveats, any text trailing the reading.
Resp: 11:02
